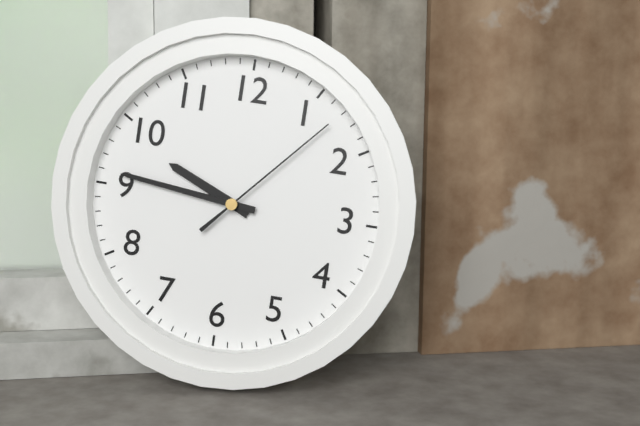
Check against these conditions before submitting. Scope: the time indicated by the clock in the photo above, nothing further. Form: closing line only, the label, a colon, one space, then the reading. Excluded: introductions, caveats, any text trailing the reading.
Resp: 9:46:07
